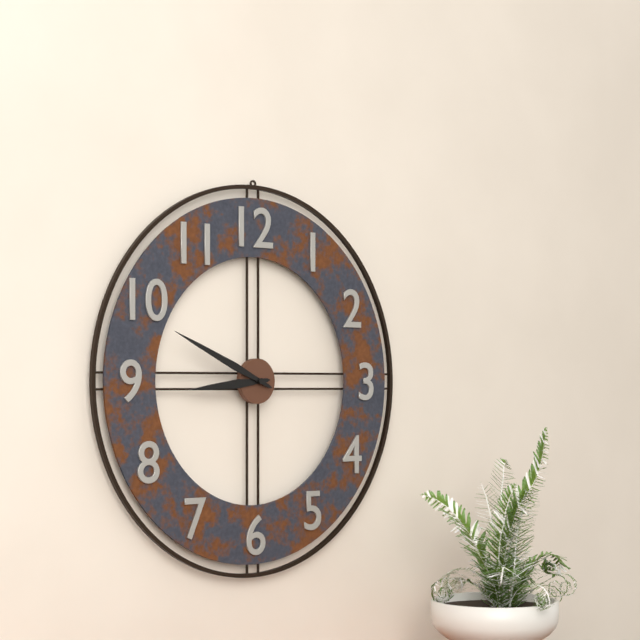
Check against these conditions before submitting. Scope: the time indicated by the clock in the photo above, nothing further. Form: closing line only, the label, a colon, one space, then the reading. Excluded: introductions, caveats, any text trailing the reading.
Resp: 8:49
